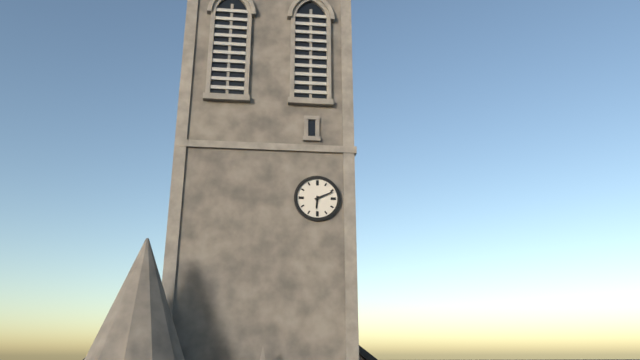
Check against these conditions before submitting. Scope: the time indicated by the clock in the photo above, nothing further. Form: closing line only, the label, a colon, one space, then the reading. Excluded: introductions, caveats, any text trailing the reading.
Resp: 6:11
